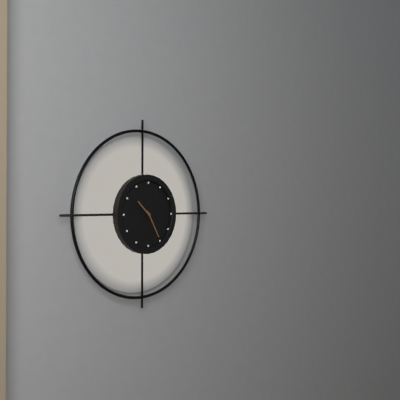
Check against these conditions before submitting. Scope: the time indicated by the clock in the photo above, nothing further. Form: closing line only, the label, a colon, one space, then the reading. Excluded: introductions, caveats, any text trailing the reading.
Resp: 10:25
